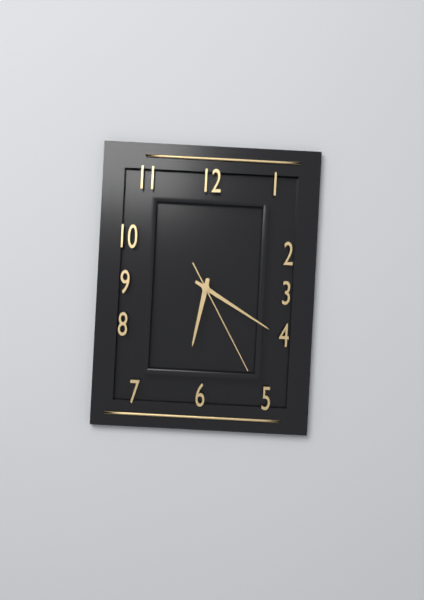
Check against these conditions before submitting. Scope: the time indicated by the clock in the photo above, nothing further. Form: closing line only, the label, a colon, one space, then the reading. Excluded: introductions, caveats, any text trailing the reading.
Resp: 6:20:25
